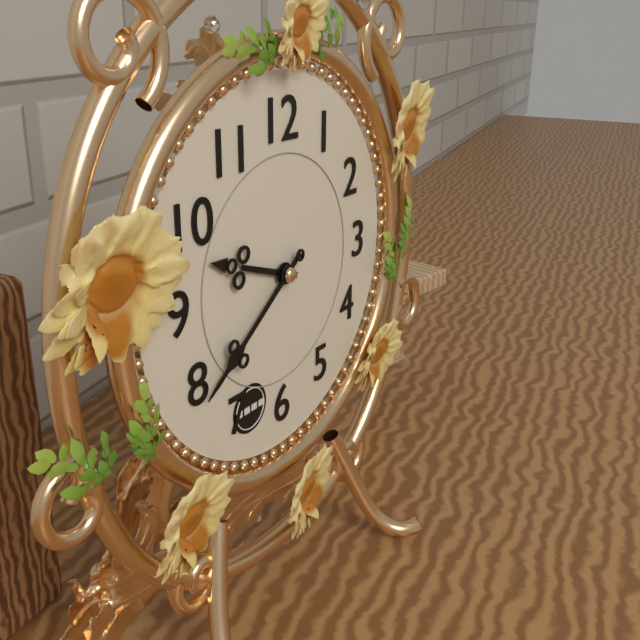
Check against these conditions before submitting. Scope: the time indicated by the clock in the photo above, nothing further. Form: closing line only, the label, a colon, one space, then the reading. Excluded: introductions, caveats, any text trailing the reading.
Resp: 9:39
